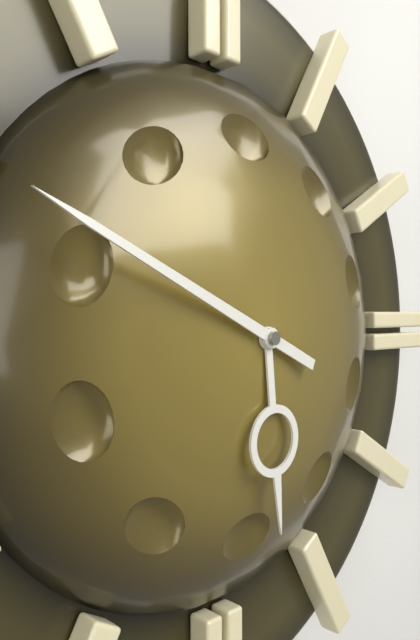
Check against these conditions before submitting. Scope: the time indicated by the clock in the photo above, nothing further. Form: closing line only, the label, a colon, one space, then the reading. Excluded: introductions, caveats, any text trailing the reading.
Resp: 5:49
